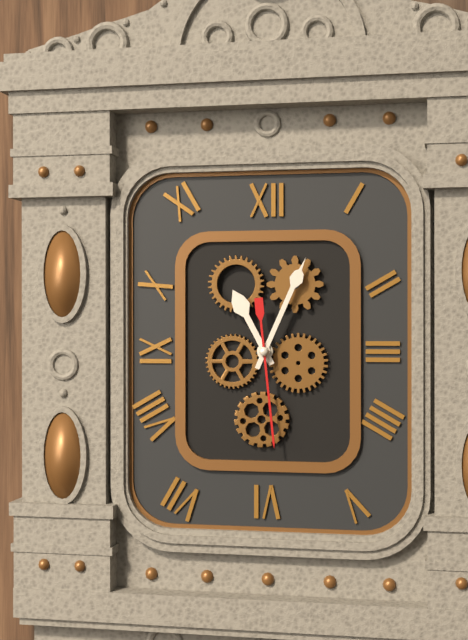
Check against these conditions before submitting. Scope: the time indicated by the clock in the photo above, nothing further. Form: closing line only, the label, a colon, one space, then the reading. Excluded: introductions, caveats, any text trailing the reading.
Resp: 11:04:29
